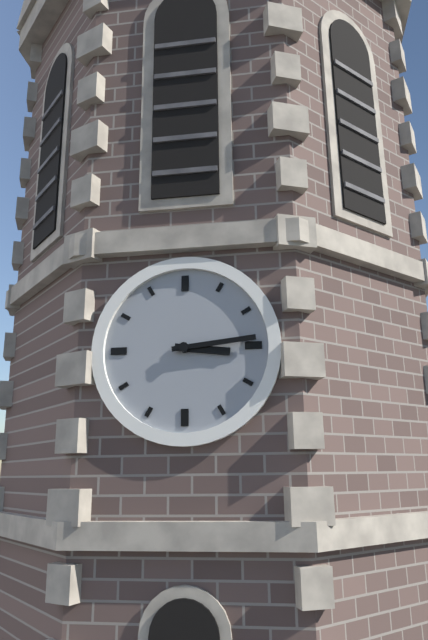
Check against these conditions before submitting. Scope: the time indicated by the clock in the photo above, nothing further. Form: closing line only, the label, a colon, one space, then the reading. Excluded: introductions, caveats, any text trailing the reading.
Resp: 3:14
